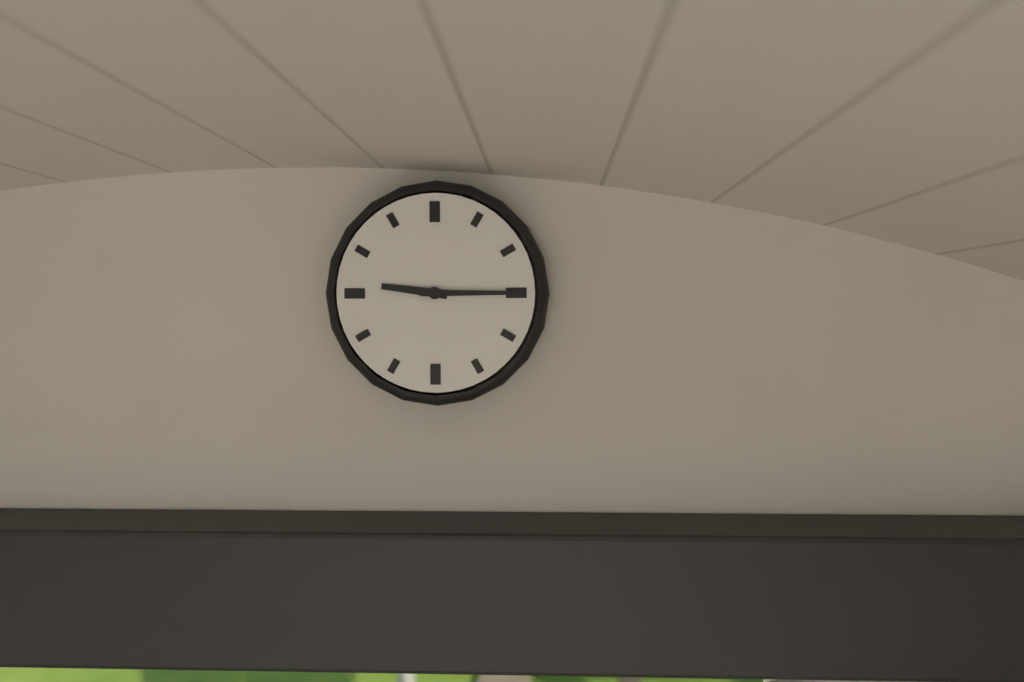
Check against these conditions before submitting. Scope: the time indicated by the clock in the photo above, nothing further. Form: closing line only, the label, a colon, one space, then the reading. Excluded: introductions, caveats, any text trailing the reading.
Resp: 9:15
